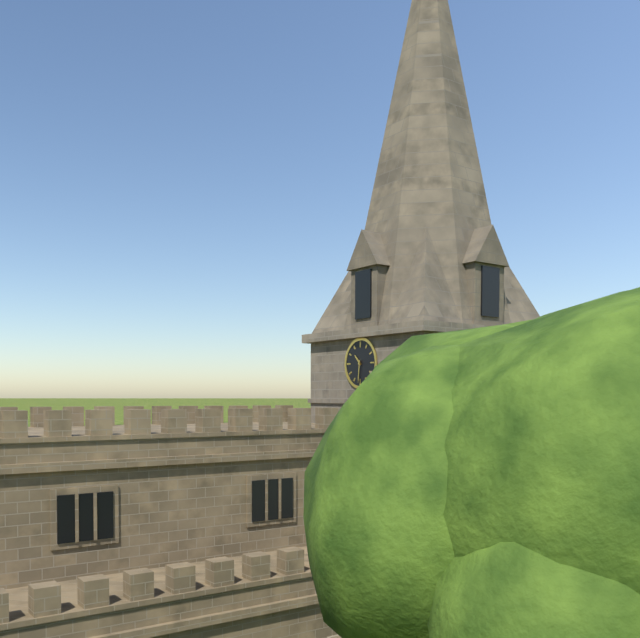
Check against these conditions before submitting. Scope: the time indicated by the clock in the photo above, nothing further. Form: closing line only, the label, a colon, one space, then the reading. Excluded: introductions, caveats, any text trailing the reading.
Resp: 10:31
